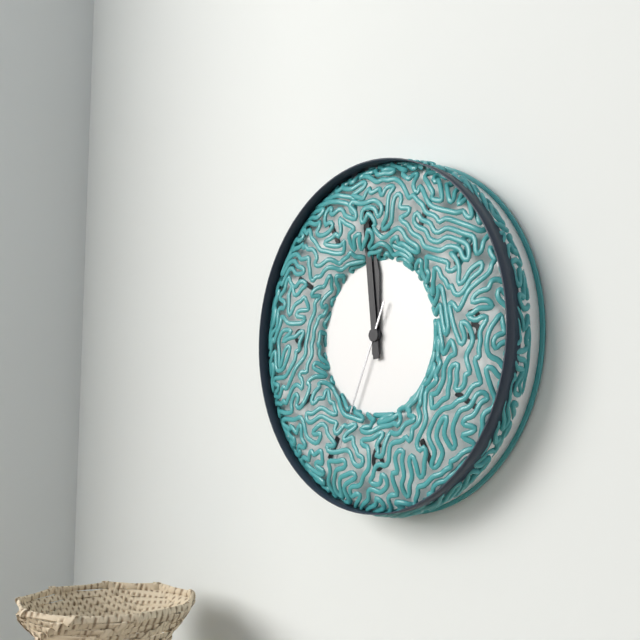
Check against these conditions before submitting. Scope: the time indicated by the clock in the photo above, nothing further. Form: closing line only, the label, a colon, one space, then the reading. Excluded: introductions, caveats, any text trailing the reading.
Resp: 11:59:34
